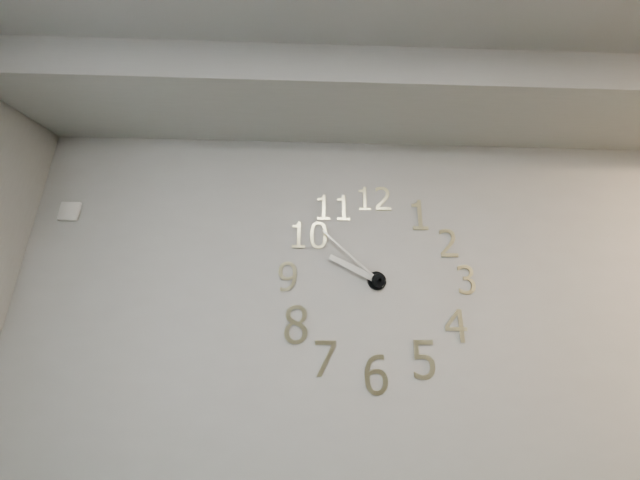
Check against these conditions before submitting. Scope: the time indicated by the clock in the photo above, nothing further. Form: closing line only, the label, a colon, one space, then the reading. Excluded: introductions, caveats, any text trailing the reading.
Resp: 9:52
